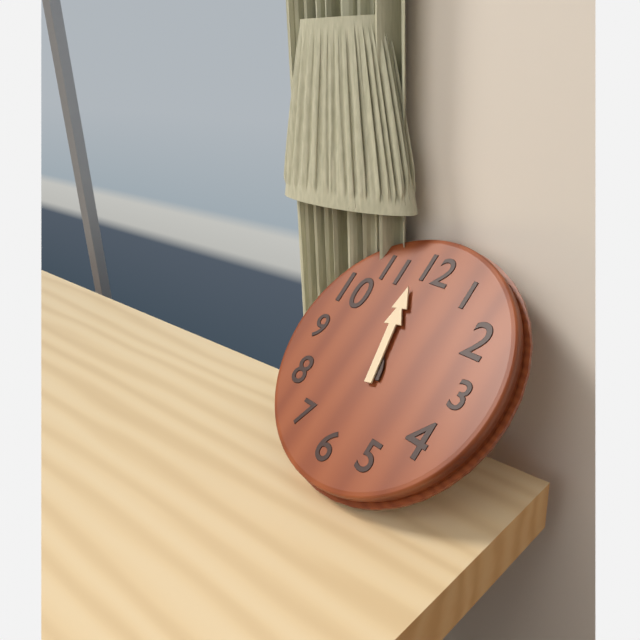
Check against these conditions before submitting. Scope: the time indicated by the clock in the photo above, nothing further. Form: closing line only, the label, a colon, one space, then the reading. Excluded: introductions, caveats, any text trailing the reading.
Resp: 4:58
